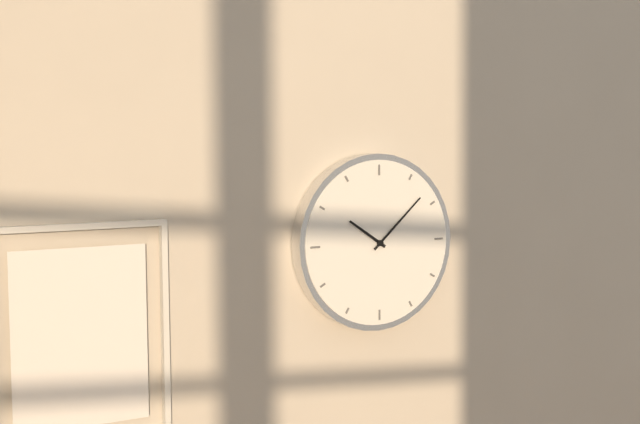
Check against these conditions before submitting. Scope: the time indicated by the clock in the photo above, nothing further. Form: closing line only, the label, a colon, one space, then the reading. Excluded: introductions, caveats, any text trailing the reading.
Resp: 10:08
